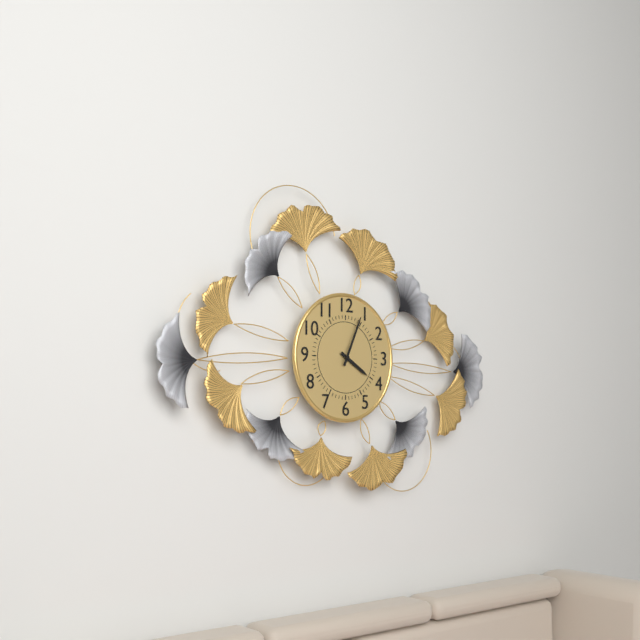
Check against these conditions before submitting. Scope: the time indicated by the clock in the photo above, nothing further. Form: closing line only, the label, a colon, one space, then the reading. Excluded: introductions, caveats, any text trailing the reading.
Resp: 4:04
